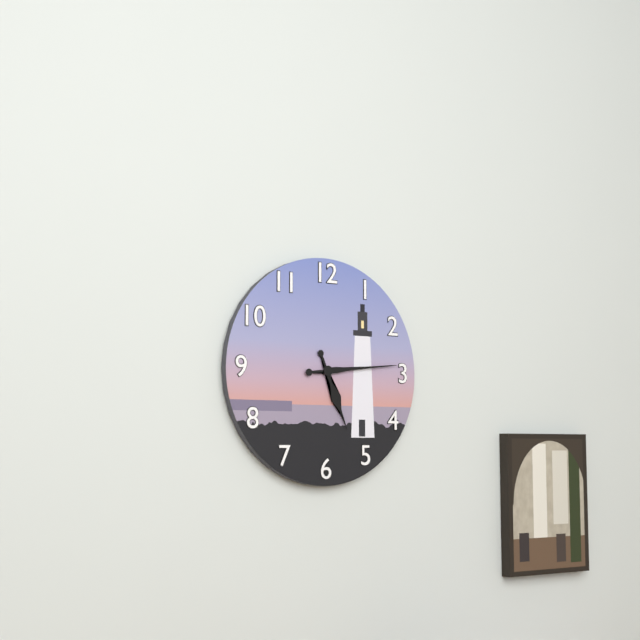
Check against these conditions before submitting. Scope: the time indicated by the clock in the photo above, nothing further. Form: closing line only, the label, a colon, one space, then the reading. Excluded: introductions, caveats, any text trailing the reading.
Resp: 5:14
